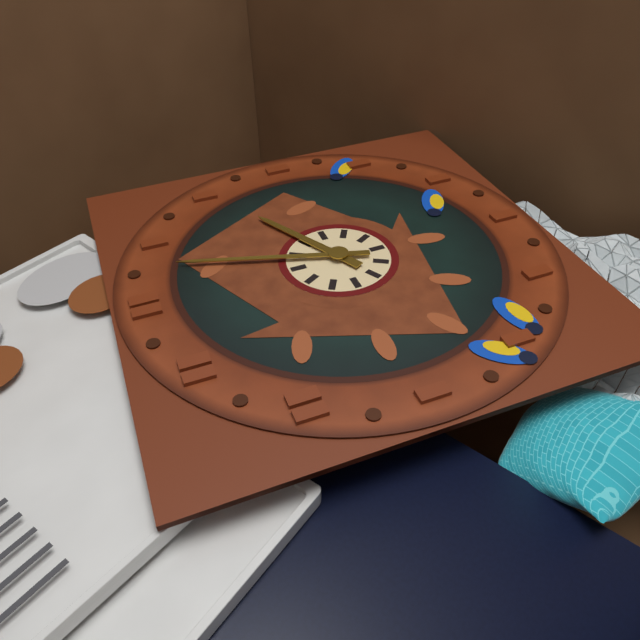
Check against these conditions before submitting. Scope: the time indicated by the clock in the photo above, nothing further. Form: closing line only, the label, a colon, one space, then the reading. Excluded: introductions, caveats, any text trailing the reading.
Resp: 2:03
